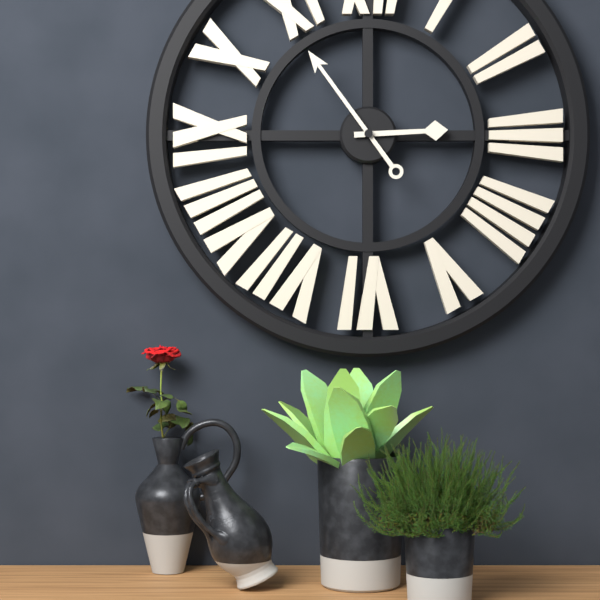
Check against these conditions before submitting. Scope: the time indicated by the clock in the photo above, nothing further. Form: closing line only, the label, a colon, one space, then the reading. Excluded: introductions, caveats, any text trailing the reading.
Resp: 2:54
